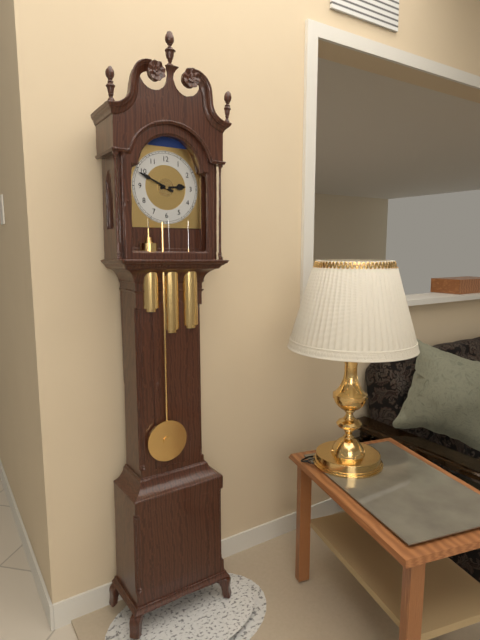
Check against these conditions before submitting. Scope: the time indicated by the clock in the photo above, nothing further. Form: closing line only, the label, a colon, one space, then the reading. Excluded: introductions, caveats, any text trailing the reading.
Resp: 2:49
